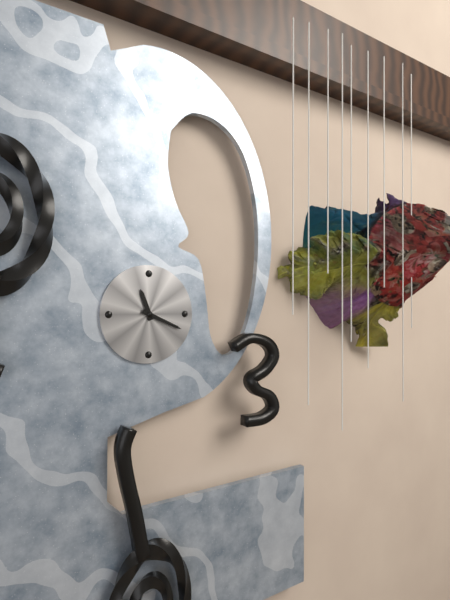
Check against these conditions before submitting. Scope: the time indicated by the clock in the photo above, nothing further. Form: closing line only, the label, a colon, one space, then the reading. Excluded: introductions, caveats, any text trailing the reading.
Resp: 11:19
